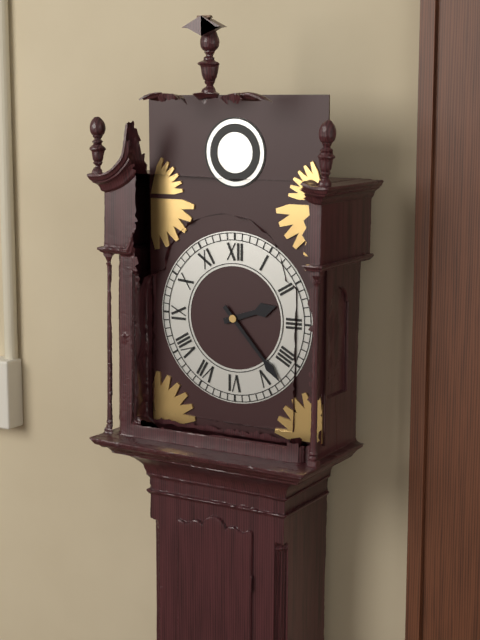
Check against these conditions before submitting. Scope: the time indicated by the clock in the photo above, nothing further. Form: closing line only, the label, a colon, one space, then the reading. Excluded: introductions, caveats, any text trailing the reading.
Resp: 2:23
